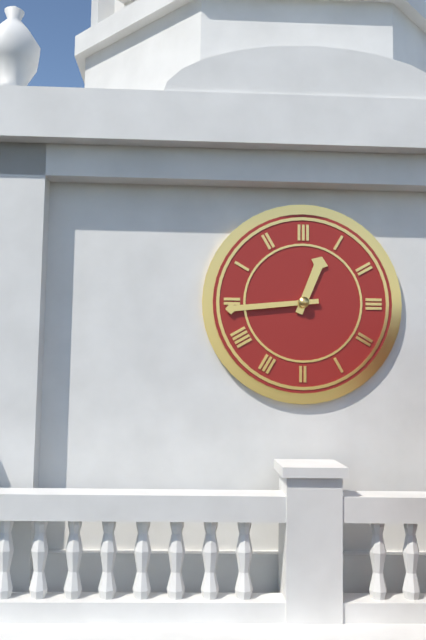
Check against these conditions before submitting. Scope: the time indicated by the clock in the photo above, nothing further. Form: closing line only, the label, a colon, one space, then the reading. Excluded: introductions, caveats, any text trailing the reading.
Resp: 12:44
